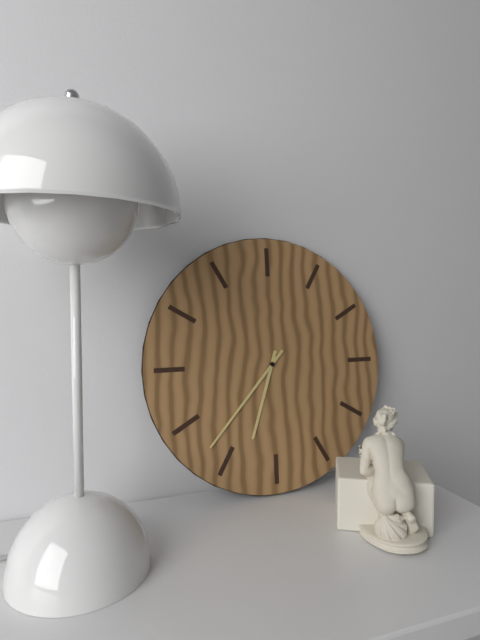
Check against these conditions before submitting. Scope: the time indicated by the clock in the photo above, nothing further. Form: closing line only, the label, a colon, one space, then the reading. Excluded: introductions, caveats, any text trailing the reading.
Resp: 6:37
